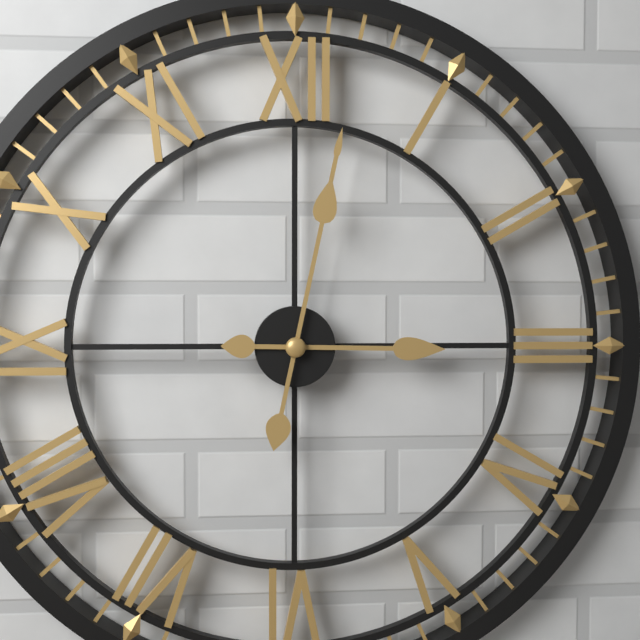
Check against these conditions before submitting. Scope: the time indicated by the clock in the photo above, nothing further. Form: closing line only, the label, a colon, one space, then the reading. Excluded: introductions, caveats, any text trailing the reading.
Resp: 3:02
